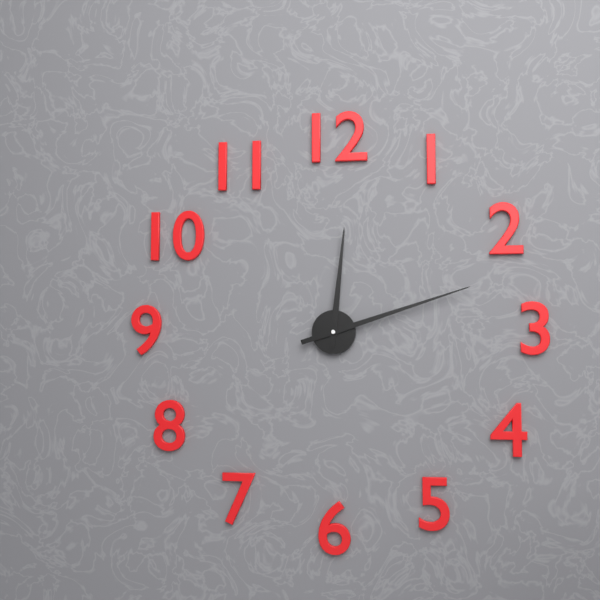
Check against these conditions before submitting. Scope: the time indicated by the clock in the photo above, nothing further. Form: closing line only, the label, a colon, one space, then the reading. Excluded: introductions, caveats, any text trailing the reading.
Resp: 12:12
